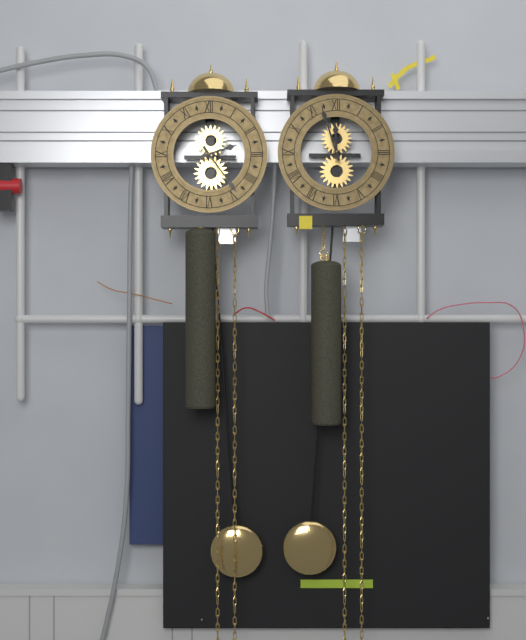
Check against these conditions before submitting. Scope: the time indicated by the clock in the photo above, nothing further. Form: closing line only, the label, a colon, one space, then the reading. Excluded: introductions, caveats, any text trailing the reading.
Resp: 2:24
